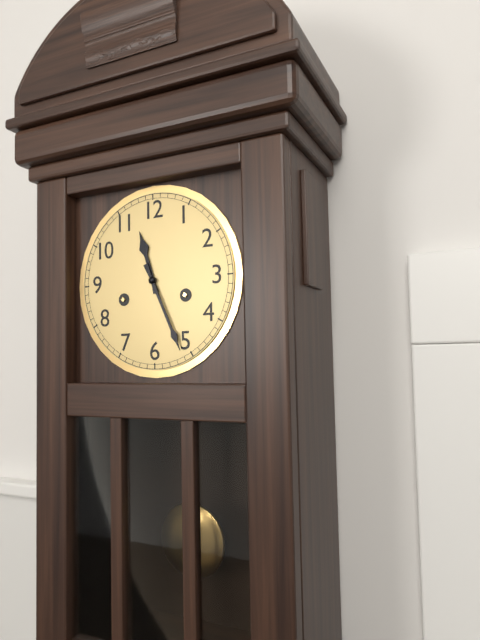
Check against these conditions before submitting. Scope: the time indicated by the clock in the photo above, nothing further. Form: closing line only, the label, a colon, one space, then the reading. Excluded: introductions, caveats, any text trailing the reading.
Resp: 11:26
